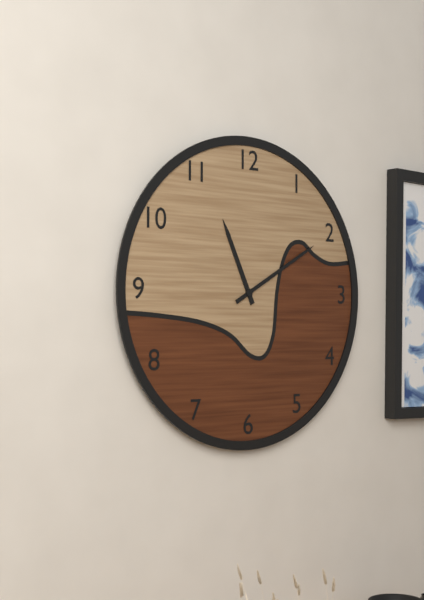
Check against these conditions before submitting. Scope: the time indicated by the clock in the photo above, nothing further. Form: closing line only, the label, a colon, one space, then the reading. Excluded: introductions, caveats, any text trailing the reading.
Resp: 11:10
